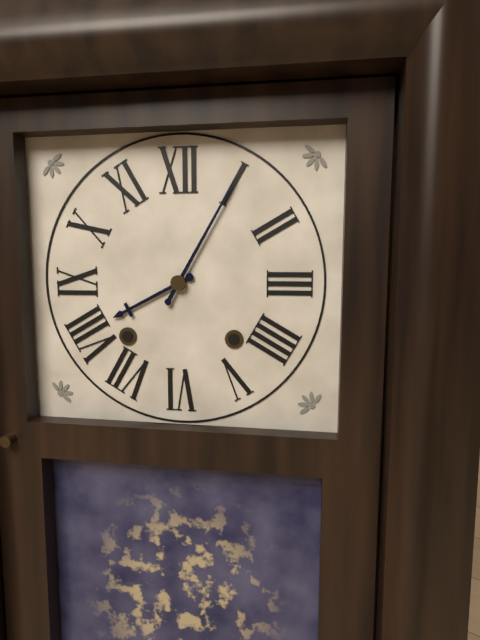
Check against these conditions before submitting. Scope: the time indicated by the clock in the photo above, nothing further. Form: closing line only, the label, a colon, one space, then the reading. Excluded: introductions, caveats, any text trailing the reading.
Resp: 8:05
